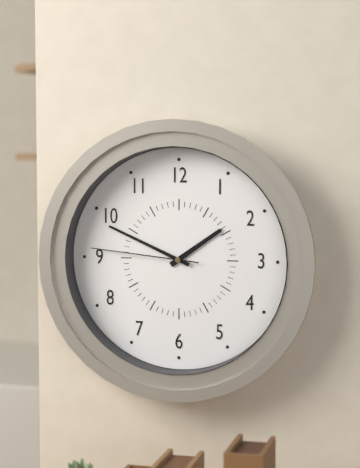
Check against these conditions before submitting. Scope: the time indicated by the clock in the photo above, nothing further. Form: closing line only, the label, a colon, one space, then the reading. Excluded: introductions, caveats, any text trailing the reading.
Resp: 1:49:46
